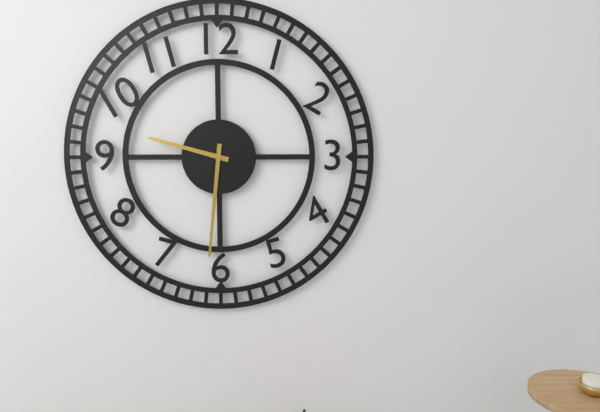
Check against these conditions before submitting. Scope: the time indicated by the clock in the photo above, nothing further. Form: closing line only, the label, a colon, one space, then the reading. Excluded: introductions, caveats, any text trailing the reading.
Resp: 9:31
